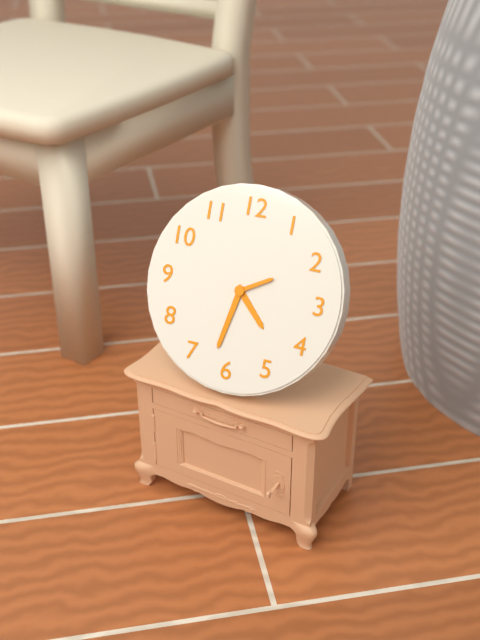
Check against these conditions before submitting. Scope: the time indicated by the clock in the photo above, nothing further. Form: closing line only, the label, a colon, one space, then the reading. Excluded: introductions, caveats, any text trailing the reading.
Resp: 4:32
